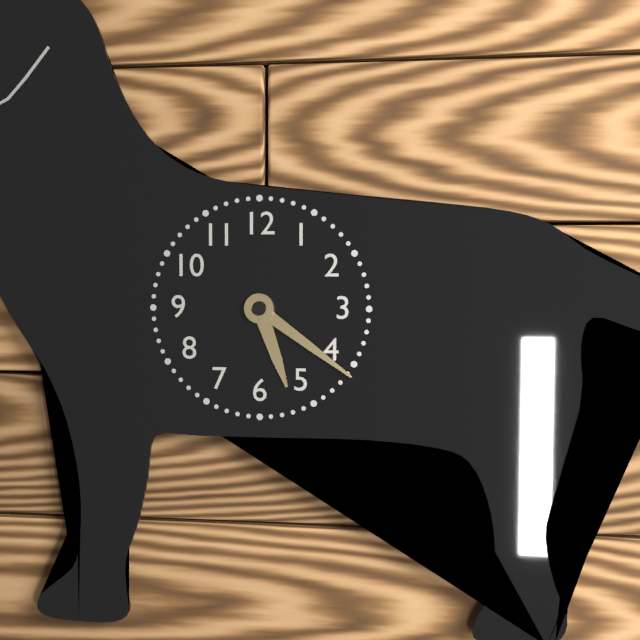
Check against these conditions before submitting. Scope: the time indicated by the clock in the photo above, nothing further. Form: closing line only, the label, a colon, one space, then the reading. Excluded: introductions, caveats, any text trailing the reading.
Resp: 5:21
